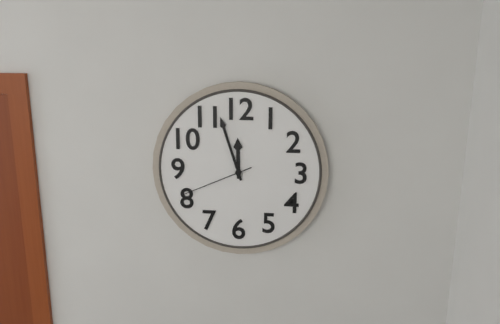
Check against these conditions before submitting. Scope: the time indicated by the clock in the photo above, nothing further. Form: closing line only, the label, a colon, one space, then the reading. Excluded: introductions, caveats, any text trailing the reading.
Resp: 11:57:41
